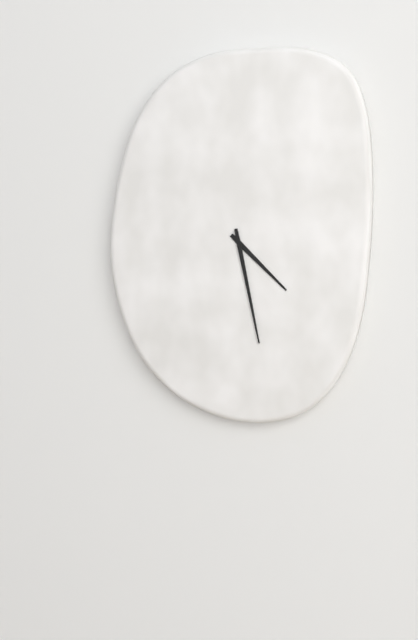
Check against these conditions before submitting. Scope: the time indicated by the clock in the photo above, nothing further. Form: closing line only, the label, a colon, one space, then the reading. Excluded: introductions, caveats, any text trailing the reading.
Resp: 4:28
